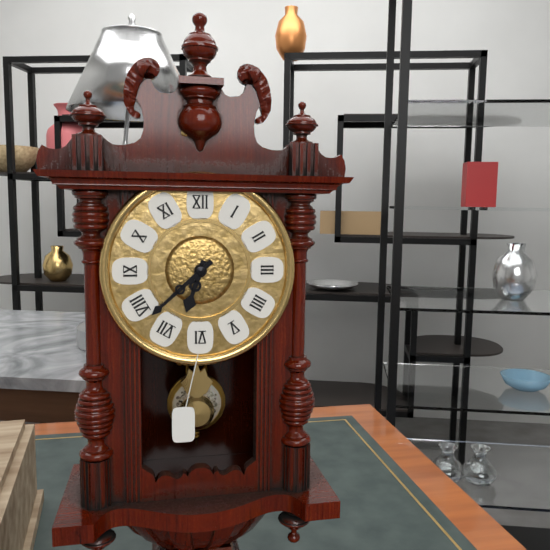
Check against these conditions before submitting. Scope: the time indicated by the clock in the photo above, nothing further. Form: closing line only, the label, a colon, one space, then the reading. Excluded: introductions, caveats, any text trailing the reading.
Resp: 6:38
